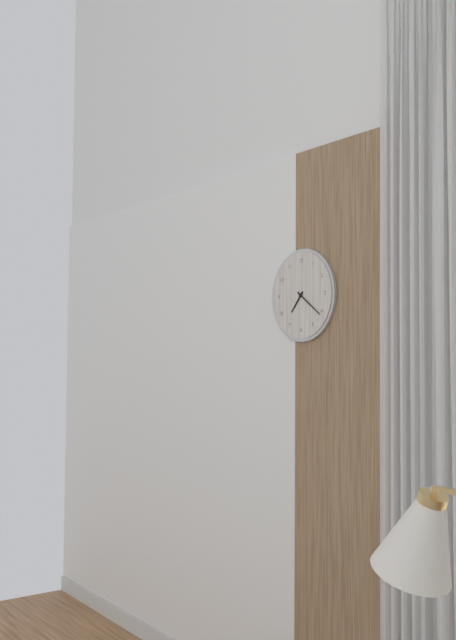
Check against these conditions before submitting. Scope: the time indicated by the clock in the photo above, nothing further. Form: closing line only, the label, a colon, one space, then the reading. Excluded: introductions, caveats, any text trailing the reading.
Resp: 7:21
